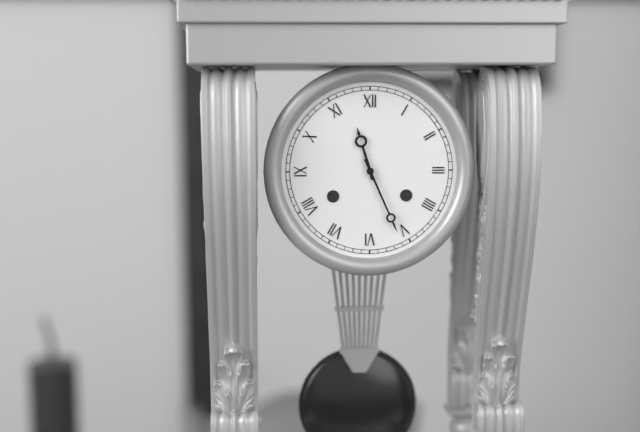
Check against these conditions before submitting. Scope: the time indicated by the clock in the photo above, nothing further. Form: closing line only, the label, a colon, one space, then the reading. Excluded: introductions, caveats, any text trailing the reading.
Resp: 11:26
